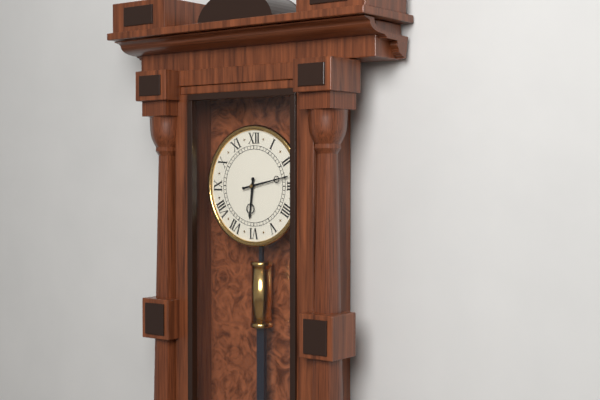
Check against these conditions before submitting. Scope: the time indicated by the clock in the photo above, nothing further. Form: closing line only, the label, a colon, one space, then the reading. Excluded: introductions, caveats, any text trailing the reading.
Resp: 6:13
